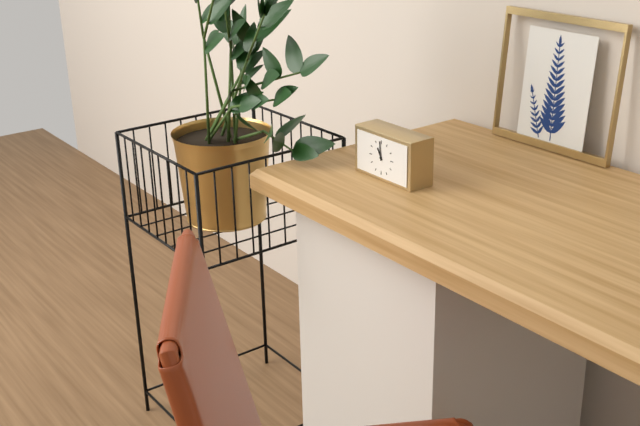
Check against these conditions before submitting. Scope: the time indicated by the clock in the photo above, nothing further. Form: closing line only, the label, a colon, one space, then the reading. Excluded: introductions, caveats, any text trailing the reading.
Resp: 10:59
